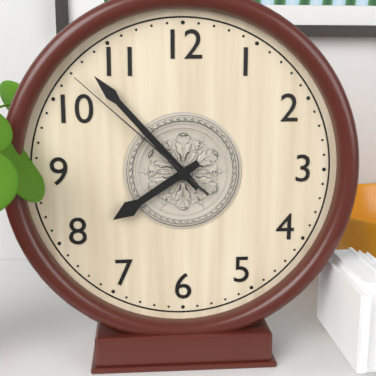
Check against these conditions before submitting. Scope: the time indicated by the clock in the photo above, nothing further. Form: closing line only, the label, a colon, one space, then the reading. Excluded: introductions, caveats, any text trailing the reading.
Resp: 7:53:52
